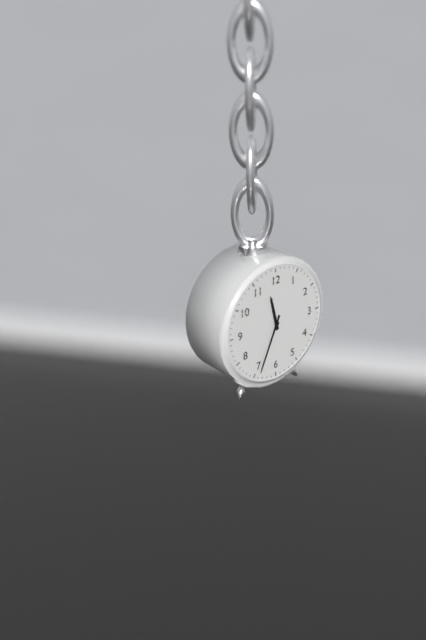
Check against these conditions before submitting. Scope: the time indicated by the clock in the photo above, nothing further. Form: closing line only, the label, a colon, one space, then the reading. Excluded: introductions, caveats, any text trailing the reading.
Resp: 11:34
